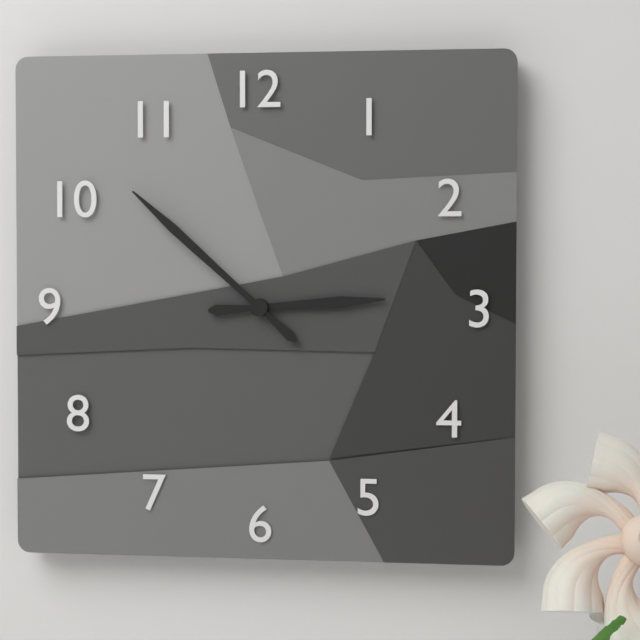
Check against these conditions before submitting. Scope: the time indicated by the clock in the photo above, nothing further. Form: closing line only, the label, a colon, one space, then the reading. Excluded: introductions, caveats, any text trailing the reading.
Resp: 2:52
